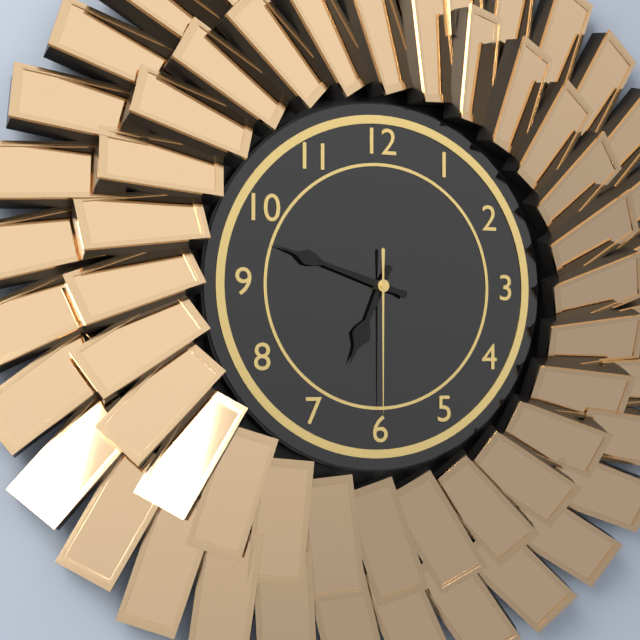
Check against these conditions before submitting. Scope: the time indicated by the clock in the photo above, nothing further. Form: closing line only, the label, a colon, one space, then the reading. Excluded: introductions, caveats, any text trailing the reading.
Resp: 6:48:30
